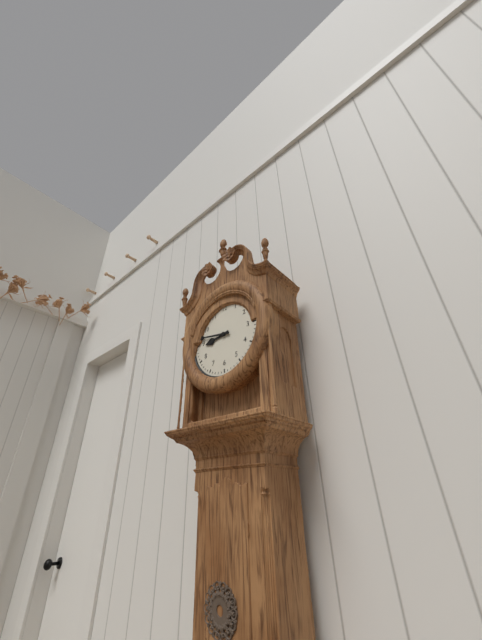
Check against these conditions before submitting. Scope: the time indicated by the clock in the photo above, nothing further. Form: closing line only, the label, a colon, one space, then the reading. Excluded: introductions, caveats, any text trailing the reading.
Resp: 8:47
